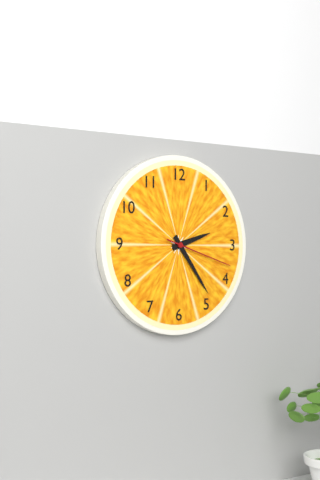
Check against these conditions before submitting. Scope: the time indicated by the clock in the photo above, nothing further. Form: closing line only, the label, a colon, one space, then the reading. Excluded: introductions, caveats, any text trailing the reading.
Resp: 2:24:18
